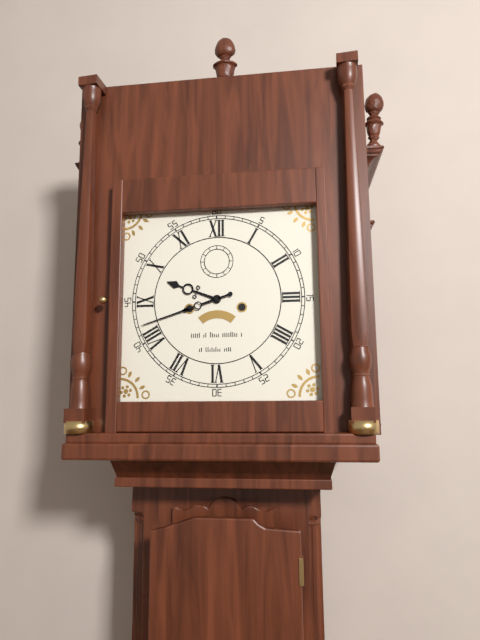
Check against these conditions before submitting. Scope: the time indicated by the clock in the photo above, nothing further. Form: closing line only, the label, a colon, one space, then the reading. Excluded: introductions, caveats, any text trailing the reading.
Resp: 9:42
